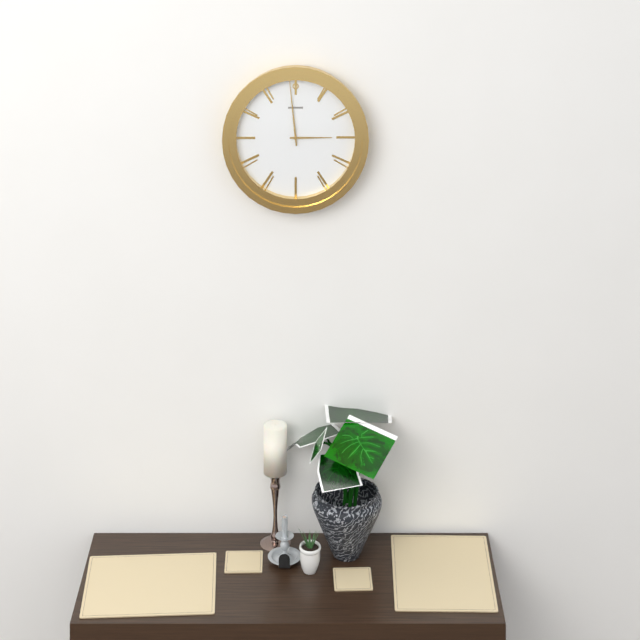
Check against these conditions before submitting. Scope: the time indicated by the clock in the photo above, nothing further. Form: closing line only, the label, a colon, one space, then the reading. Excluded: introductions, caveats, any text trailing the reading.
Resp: 2:59
